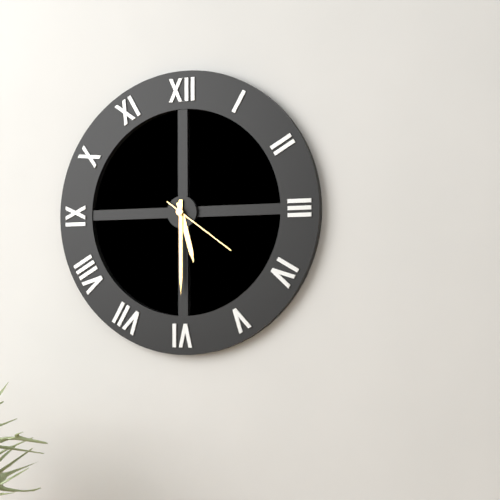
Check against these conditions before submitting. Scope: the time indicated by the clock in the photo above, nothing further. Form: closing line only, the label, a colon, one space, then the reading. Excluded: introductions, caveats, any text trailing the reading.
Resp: 5:30:21
